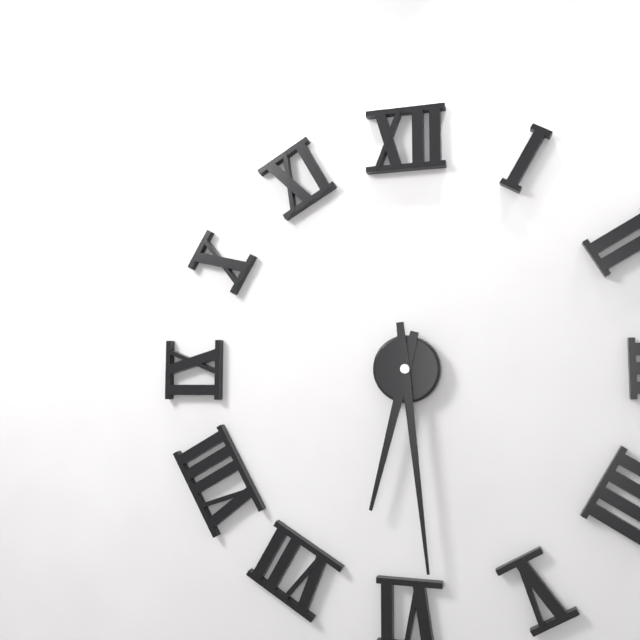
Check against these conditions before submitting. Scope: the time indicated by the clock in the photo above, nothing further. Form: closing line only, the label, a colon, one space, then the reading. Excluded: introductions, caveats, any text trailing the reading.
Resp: 6:29
